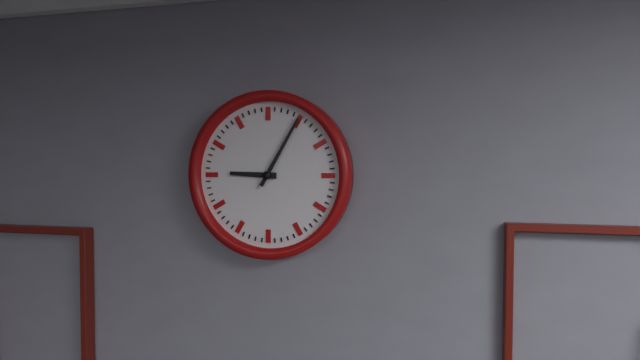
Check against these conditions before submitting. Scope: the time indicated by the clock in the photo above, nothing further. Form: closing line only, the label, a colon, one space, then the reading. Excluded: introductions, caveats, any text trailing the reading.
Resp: 9:05
